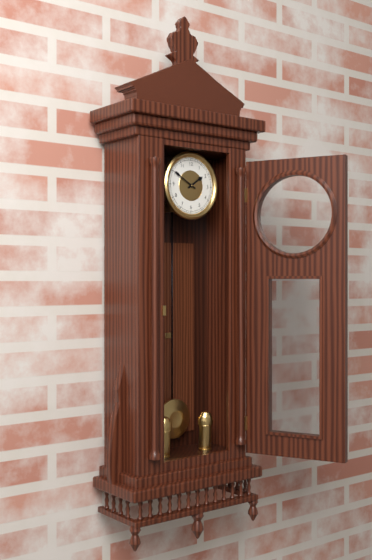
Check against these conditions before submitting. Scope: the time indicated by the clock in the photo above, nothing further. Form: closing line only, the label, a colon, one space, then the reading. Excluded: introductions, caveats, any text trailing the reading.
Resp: 1:50
